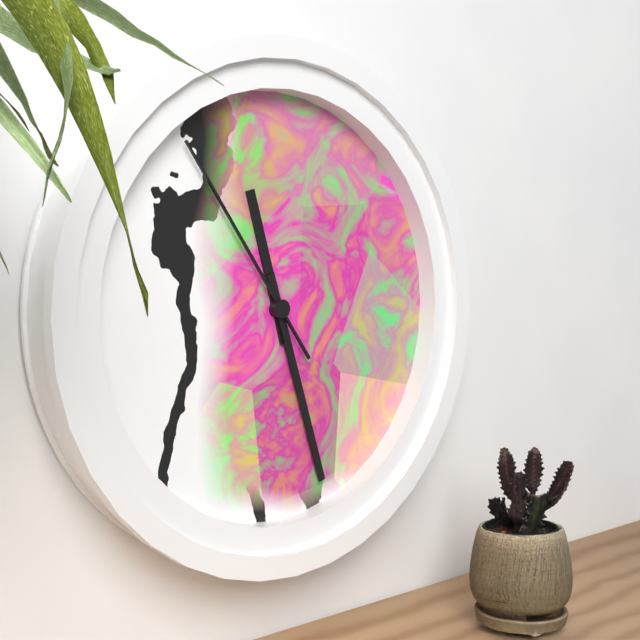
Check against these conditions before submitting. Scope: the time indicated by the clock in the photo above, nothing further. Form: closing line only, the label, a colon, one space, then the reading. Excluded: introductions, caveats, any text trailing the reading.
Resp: 11:27:54
